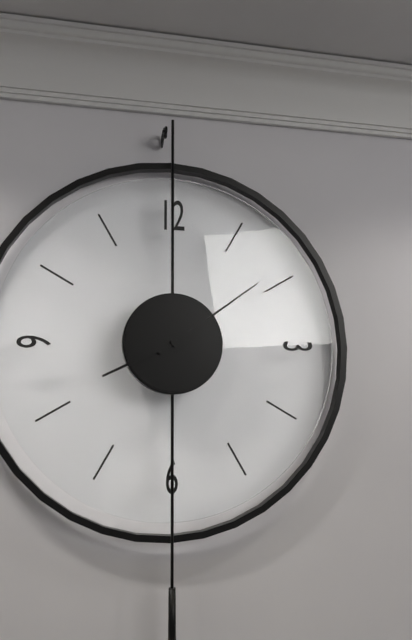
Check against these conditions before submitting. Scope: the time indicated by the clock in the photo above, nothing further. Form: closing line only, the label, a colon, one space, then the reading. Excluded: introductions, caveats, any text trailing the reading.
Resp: 8:09
